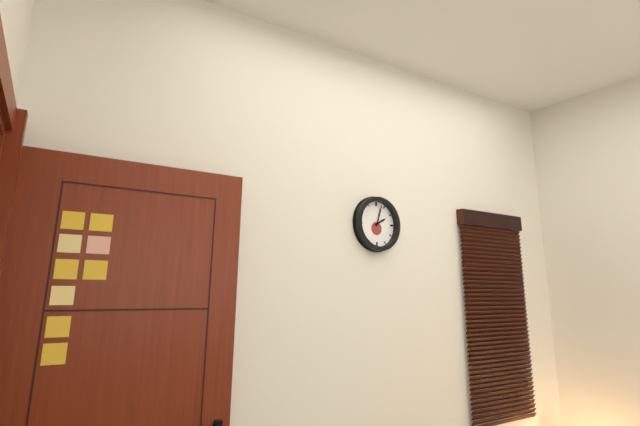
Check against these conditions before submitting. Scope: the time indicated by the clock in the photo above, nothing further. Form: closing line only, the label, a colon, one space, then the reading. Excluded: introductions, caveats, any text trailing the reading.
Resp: 2:03
